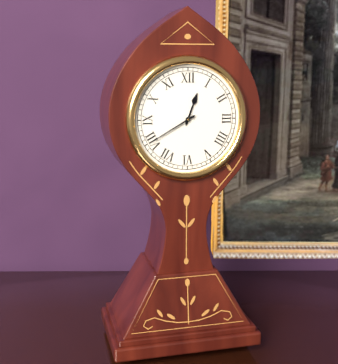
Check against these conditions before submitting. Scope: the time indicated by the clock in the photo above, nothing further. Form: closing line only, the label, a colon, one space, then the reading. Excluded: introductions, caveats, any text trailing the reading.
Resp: 12:40
